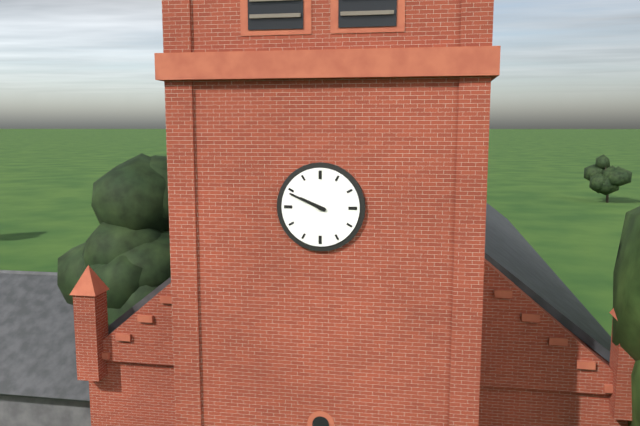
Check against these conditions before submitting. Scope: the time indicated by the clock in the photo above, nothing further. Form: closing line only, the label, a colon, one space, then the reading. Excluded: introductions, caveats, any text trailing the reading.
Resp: 9:49
